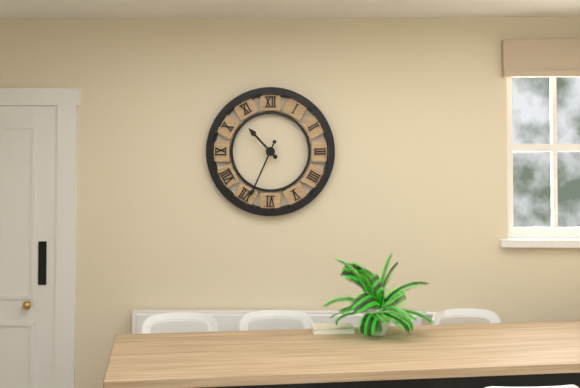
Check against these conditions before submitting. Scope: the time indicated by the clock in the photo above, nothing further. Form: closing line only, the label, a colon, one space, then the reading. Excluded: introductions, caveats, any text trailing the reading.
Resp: 10:34
